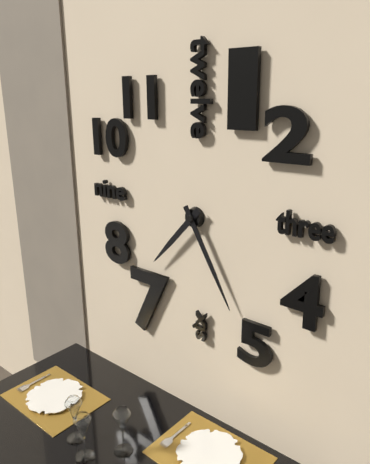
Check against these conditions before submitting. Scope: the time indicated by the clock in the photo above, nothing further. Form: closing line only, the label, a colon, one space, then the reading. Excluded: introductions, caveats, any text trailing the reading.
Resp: 7:25
